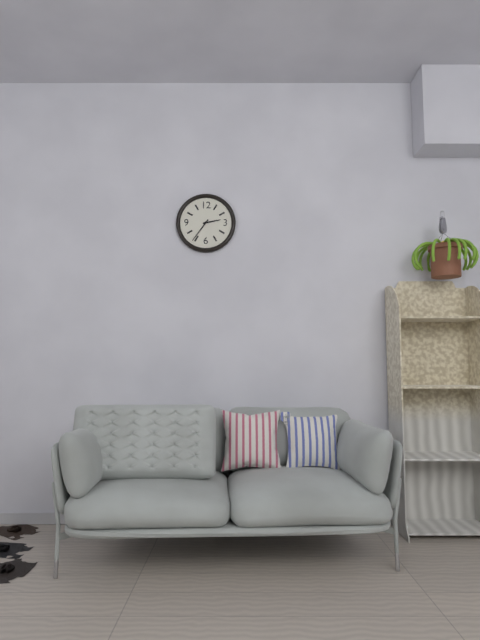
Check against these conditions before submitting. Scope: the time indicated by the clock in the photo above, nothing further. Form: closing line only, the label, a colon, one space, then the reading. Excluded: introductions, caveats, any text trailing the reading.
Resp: 2:36
